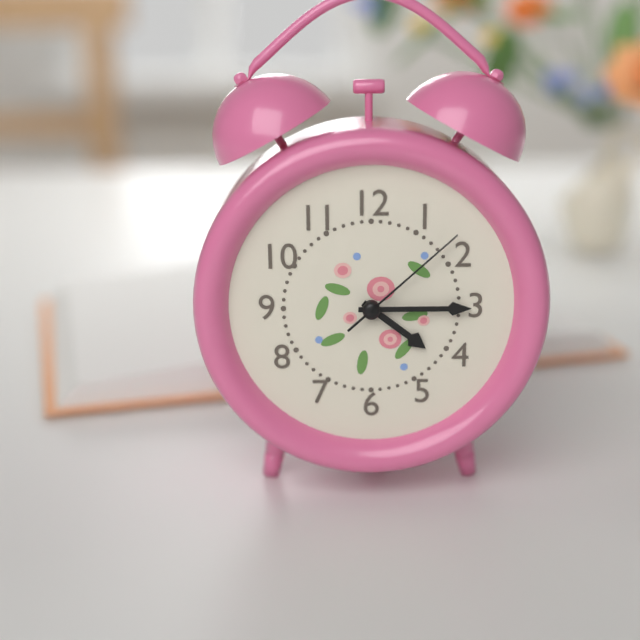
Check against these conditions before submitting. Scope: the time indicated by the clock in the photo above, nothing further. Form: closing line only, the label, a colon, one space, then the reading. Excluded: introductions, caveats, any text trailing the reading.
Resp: 4:15:08
